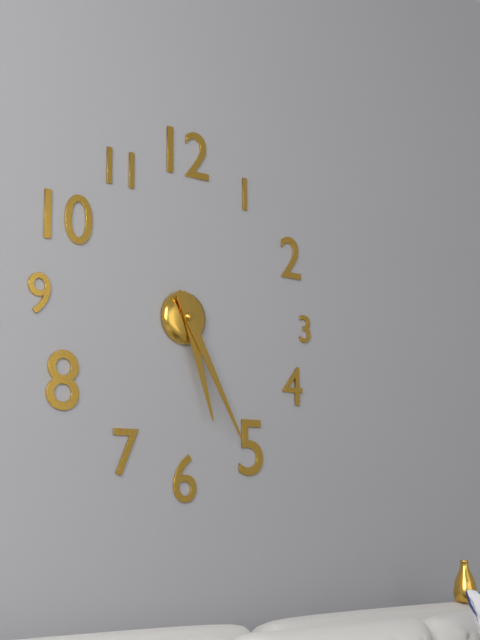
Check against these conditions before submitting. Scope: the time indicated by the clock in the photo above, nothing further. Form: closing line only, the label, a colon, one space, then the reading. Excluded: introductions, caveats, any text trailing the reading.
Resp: 5:25
